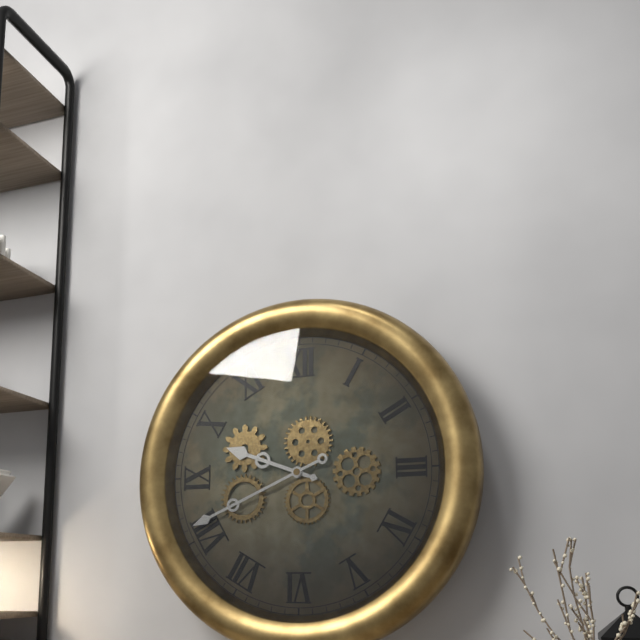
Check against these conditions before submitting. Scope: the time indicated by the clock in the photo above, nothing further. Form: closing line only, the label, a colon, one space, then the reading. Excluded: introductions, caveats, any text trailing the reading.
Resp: 9:41
